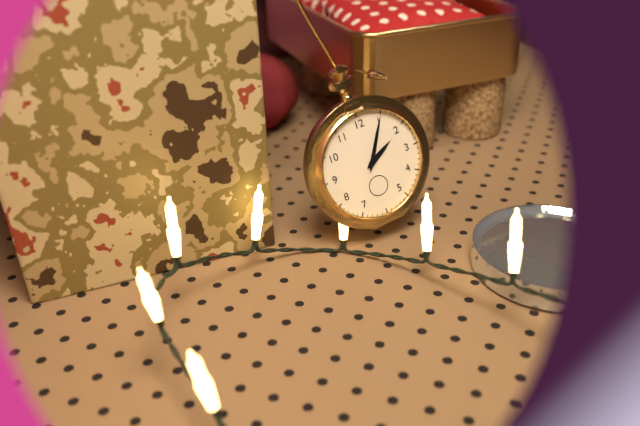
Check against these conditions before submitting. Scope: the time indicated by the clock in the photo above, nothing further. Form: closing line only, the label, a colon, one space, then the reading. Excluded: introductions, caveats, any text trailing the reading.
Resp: 2:05
